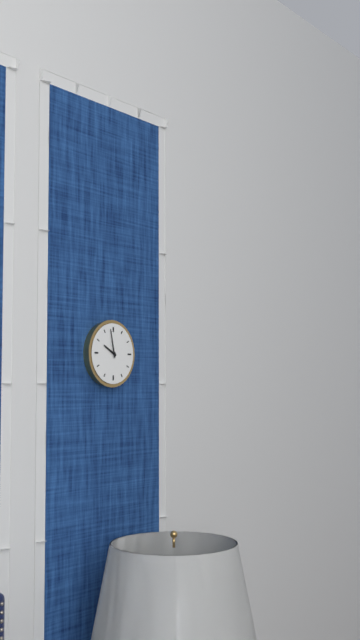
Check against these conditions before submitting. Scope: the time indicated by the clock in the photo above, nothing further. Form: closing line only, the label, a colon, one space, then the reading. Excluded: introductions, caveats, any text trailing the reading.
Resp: 9:58
